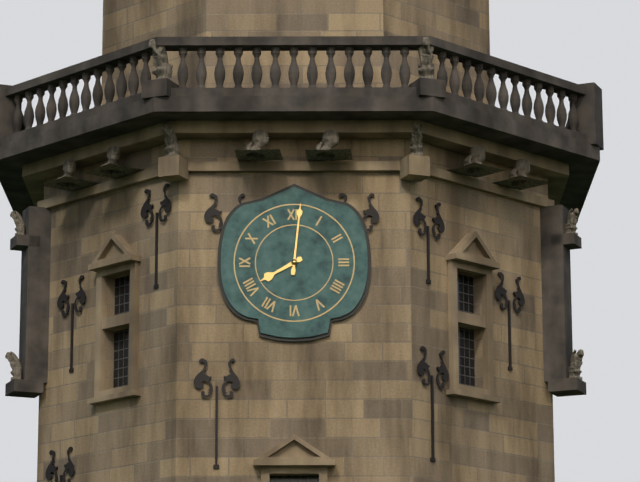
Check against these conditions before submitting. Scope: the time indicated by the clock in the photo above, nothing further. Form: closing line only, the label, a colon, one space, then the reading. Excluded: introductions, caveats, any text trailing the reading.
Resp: 8:01
